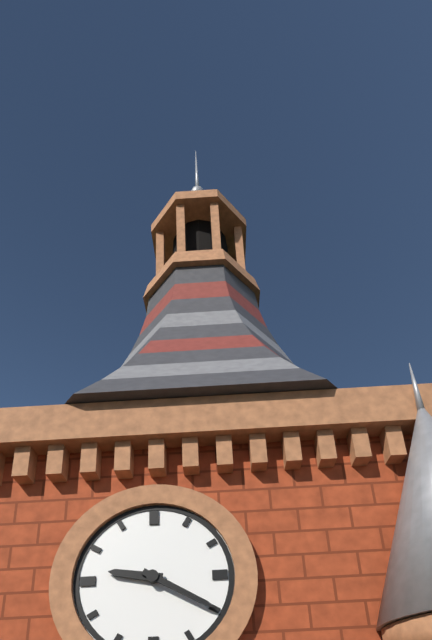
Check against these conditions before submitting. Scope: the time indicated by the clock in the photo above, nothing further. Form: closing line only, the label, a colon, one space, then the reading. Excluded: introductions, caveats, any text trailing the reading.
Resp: 9:20
